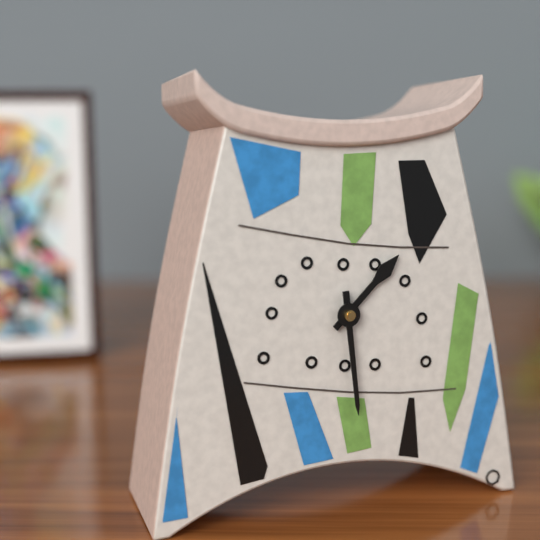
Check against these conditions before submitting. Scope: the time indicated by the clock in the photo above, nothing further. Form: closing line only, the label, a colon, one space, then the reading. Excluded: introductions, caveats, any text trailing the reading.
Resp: 1:29
